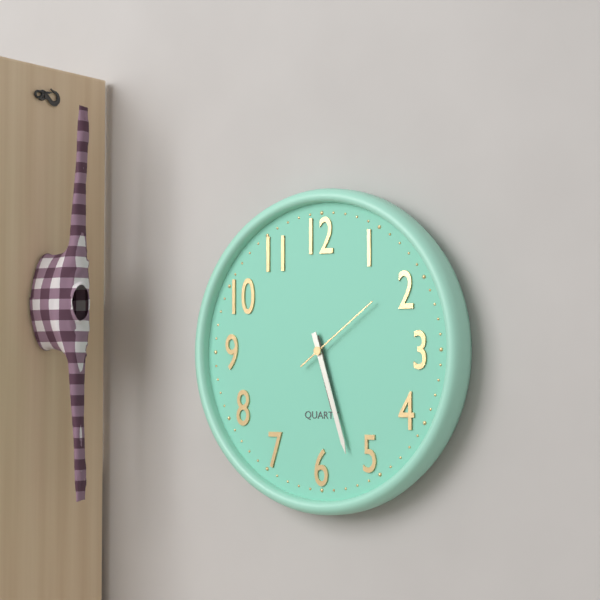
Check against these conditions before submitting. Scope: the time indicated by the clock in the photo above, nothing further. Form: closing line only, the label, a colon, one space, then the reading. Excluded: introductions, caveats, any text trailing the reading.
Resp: 5:27:09
